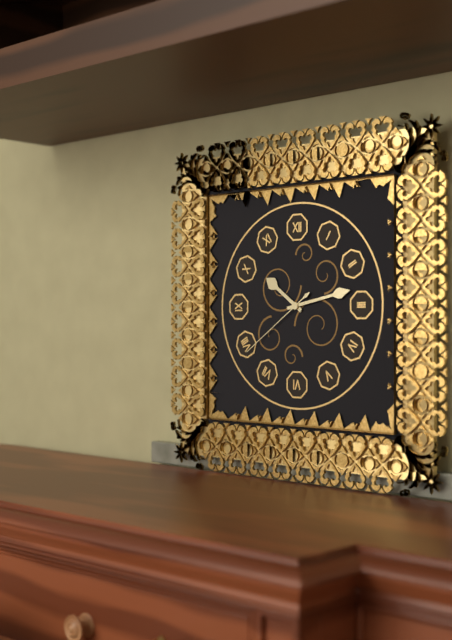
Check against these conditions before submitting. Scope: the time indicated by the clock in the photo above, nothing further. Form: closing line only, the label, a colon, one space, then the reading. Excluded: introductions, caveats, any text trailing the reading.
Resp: 10:13:39
